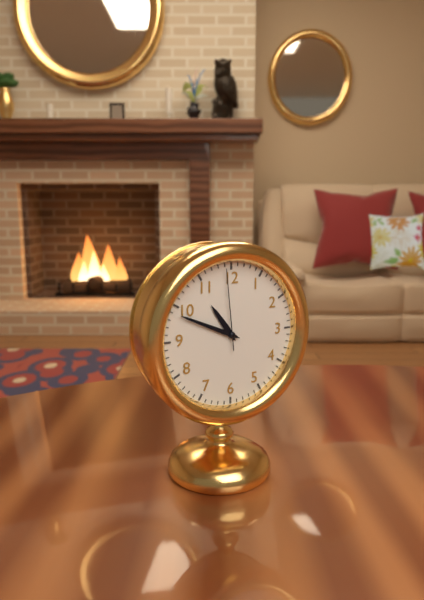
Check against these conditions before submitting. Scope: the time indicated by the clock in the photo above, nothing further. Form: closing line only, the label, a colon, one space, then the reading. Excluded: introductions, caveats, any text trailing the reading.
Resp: 10:49:59
